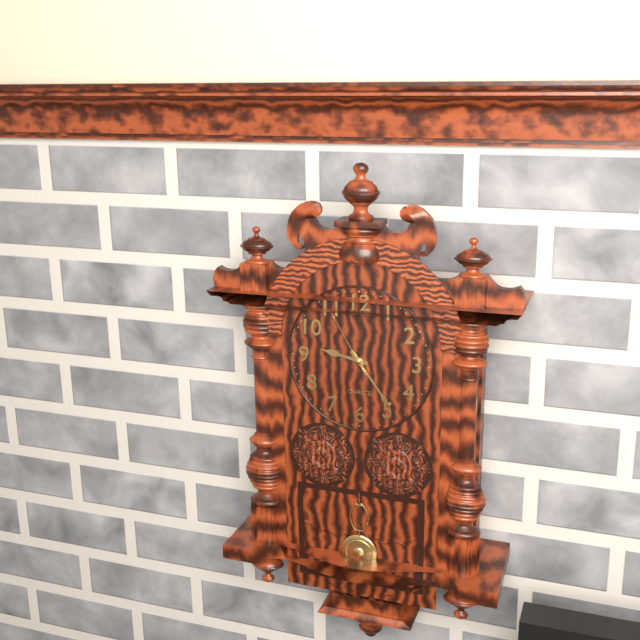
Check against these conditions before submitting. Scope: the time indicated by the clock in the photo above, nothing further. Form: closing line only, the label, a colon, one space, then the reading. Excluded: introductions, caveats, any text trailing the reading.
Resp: 9:24:55
